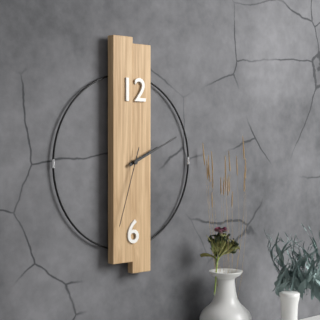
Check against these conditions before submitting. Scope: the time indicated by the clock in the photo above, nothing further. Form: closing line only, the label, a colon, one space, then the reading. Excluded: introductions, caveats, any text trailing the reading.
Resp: 2:11:33
